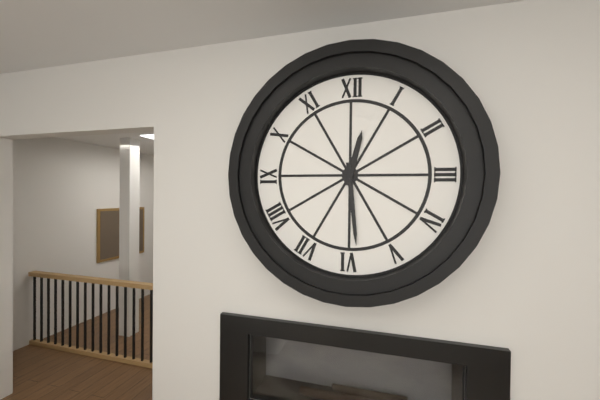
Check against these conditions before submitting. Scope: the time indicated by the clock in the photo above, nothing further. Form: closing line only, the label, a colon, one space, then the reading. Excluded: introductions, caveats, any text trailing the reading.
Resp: 12:29
